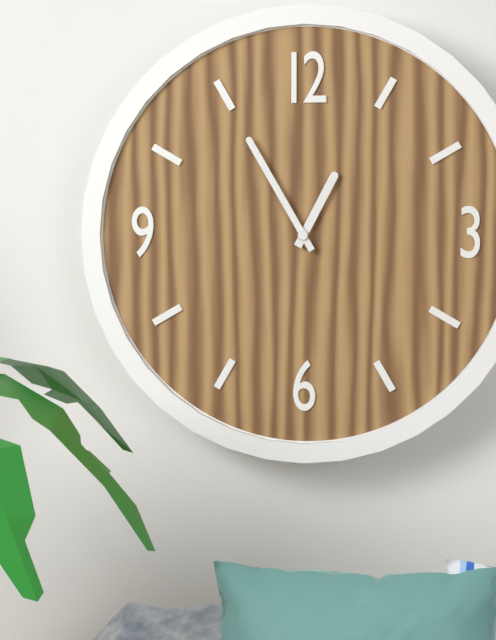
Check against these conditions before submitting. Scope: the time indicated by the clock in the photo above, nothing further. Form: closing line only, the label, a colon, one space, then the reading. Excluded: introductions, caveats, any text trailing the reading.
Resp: 12:55
